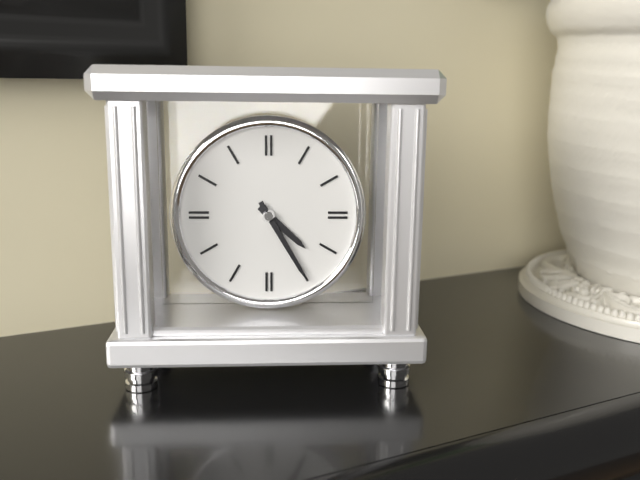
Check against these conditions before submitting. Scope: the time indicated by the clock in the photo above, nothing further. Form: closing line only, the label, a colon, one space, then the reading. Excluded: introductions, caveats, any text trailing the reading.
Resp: 4:25
